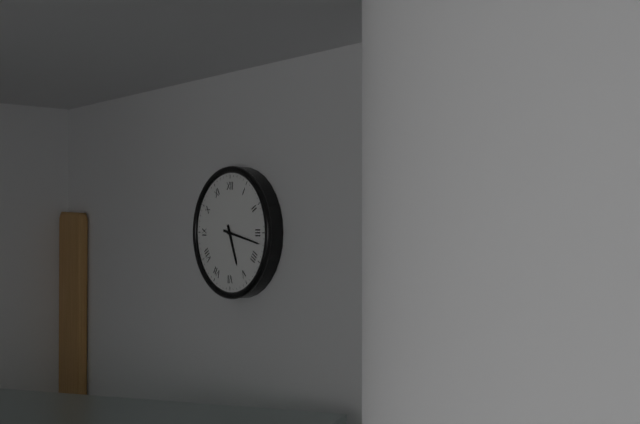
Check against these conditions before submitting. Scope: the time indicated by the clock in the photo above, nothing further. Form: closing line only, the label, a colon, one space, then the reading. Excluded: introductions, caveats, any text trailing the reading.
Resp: 5:17
